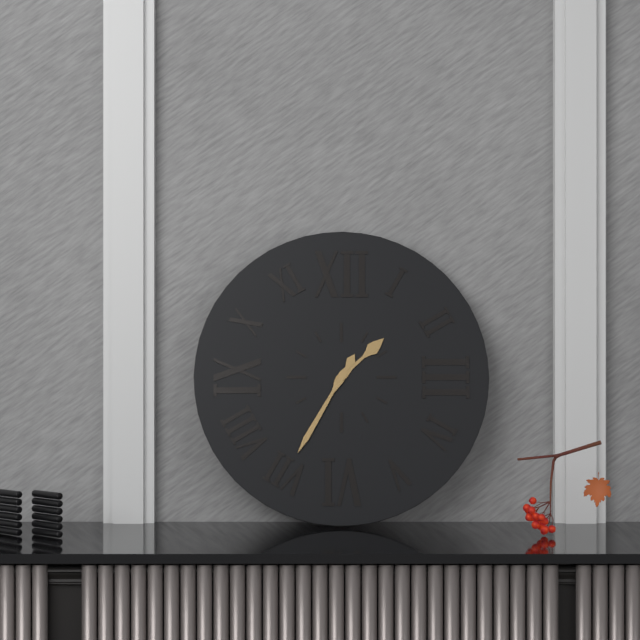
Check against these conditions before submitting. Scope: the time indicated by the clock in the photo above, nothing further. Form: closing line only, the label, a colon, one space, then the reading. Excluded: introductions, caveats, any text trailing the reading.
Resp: 1:35
